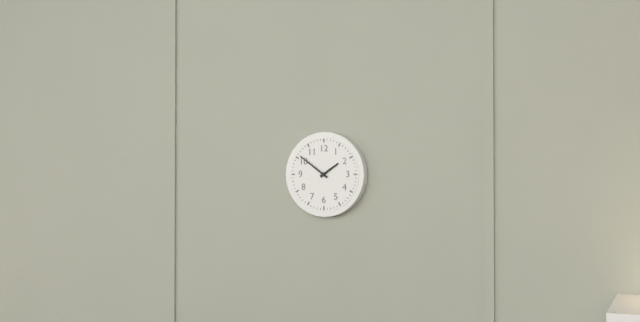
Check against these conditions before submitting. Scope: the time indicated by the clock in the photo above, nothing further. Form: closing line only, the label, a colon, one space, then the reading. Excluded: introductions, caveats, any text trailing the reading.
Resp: 1:51
